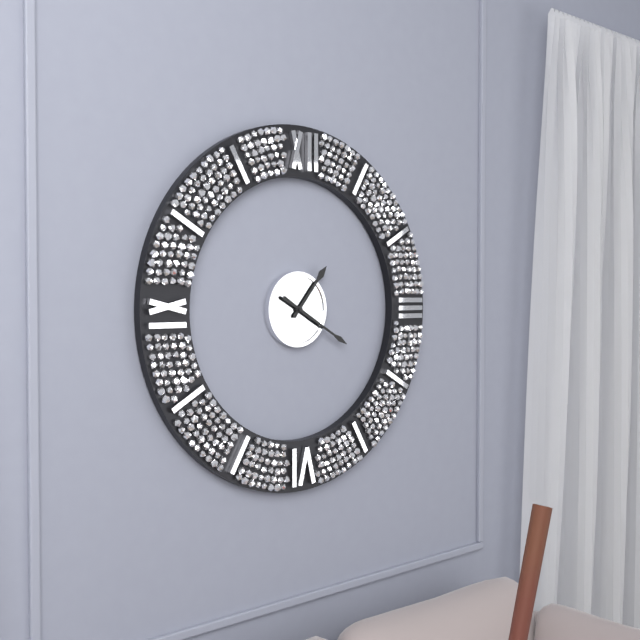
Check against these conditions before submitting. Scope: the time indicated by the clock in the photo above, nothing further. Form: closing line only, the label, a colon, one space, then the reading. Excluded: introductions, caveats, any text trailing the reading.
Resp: 1:20
